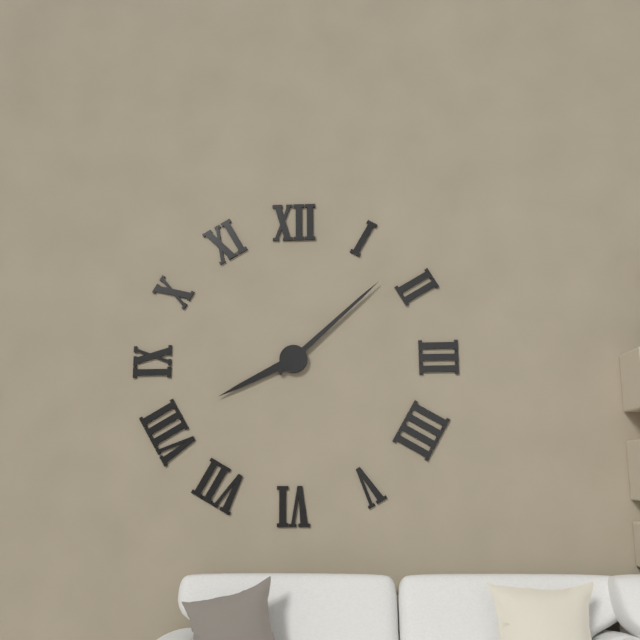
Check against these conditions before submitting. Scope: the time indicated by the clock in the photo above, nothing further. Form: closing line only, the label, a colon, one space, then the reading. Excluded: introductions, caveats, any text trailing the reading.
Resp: 8:08
